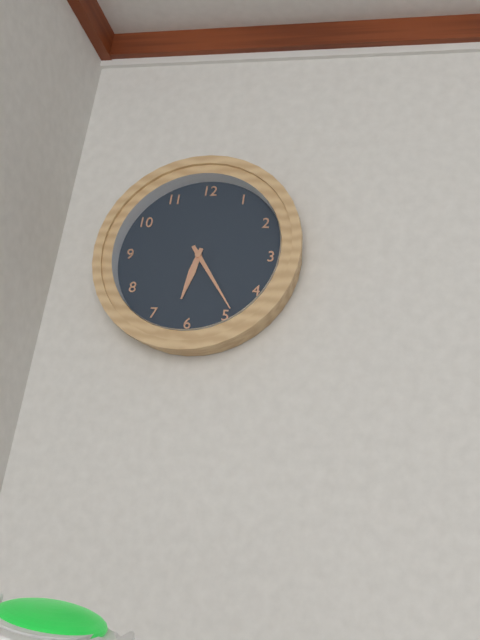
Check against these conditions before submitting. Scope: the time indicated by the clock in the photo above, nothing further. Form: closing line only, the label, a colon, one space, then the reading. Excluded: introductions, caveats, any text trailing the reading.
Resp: 6:24
